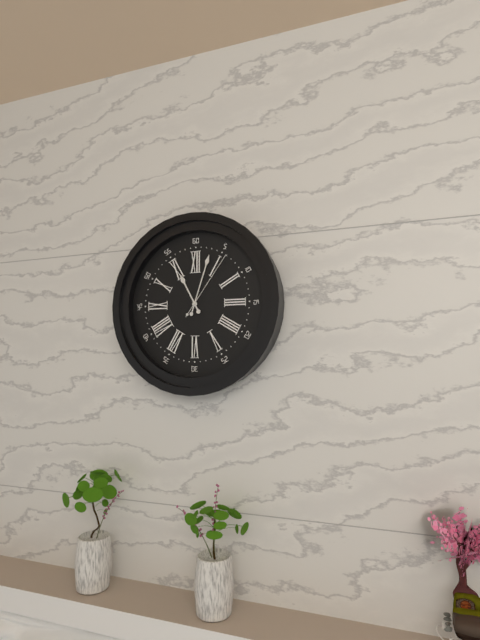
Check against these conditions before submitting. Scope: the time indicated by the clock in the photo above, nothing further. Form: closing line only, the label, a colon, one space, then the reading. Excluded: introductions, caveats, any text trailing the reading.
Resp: 11:03:06
